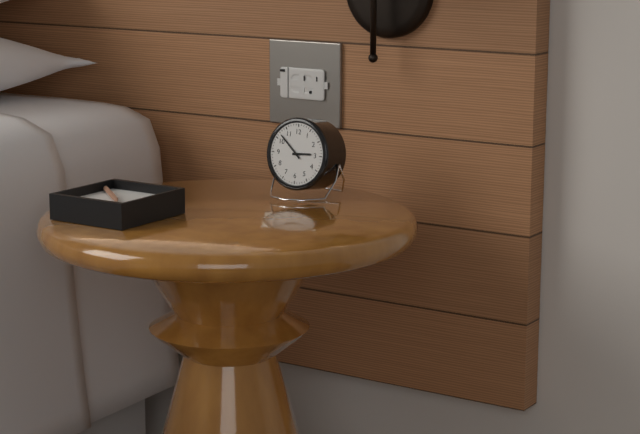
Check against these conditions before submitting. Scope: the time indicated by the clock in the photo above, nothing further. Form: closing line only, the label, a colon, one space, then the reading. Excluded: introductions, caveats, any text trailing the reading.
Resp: 2:52
